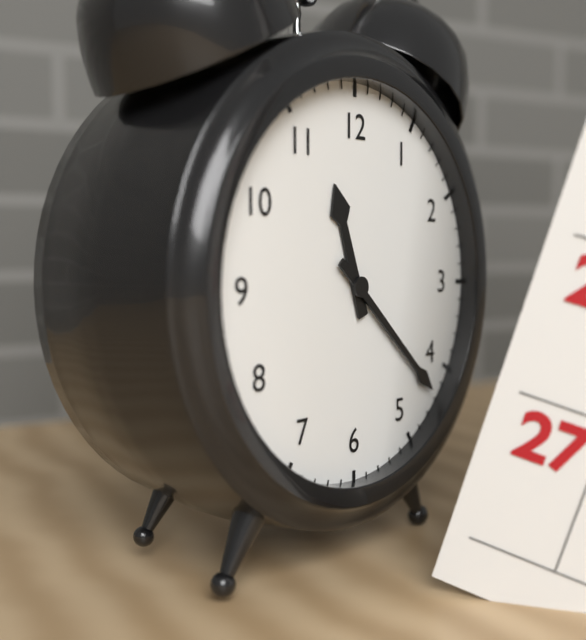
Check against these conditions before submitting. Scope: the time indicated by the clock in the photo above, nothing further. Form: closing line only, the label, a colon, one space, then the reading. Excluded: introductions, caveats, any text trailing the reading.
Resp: 11:22
